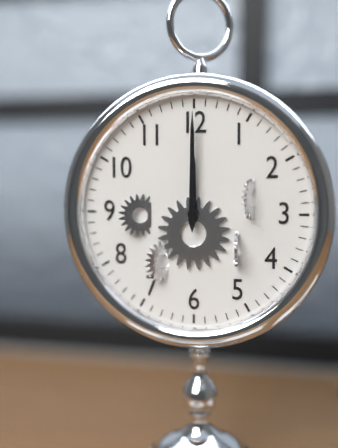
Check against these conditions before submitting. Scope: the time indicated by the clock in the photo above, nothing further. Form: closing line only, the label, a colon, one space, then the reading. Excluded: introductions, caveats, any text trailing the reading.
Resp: 12:00
